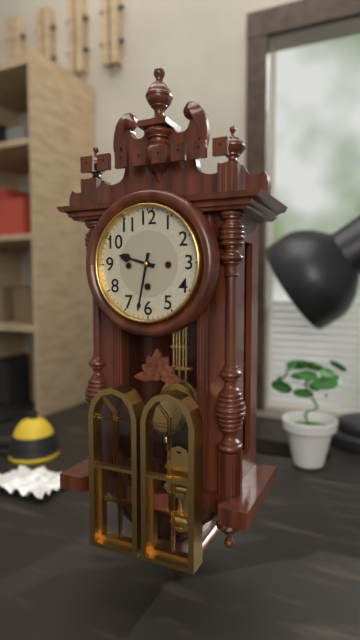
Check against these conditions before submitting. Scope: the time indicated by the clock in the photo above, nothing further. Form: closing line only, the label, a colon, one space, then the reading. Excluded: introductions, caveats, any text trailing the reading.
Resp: 9:32
